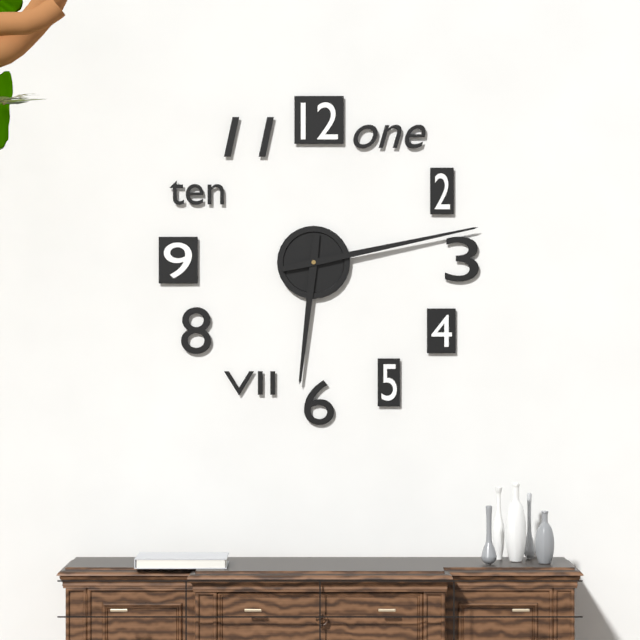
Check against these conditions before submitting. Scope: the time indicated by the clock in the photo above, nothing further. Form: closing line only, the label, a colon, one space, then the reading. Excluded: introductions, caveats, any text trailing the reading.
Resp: 6:13
